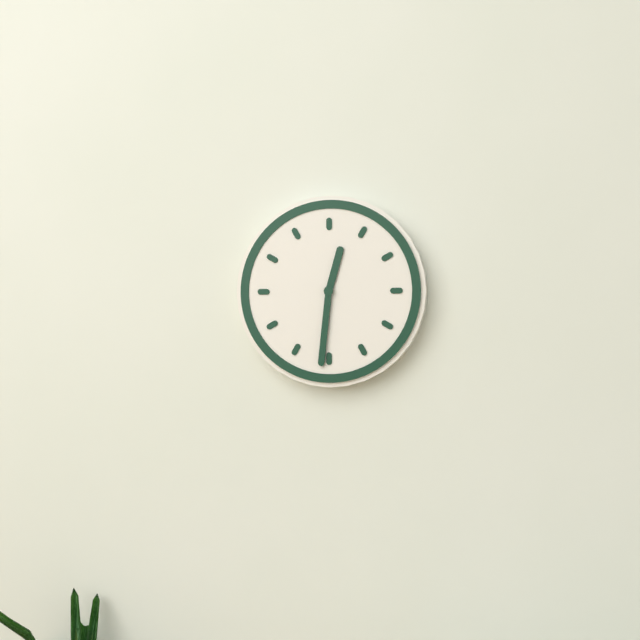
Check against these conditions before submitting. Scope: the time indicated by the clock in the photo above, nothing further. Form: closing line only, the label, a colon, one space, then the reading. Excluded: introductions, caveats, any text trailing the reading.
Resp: 12:31
